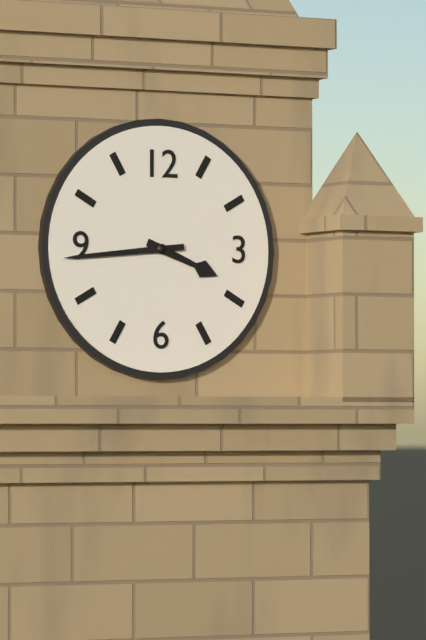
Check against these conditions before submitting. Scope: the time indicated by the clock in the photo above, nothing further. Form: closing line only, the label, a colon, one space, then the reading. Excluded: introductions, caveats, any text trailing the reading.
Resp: 3:44
